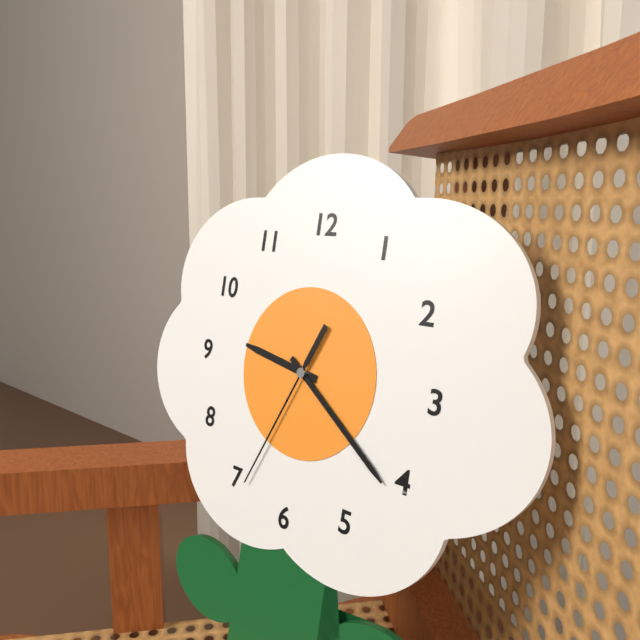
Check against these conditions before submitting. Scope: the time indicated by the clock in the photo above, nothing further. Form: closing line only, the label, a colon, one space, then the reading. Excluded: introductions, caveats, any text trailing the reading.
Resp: 9:21:34
